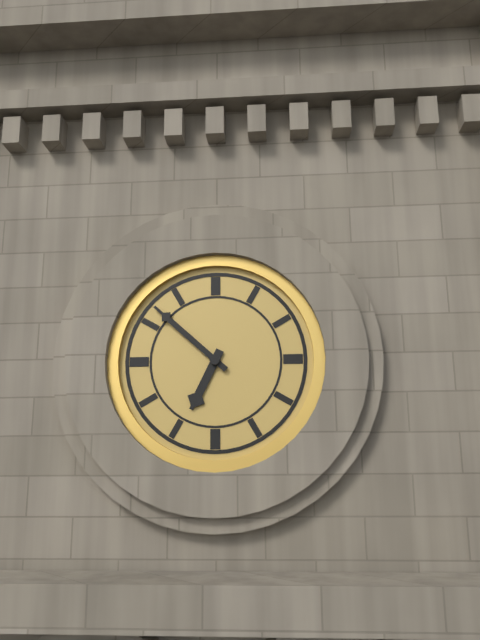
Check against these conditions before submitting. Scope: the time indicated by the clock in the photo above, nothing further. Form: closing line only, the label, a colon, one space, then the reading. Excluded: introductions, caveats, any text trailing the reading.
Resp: 6:52
